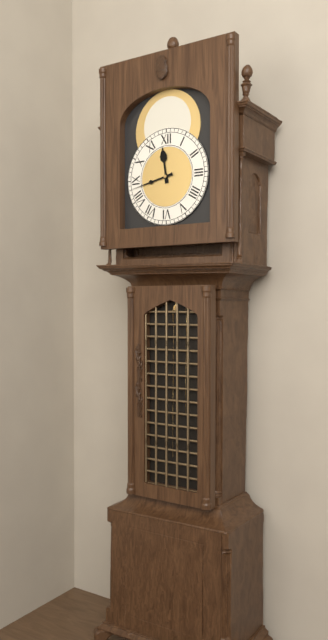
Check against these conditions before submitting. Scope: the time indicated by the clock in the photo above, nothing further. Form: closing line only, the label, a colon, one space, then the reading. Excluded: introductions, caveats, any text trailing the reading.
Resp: 11:43
